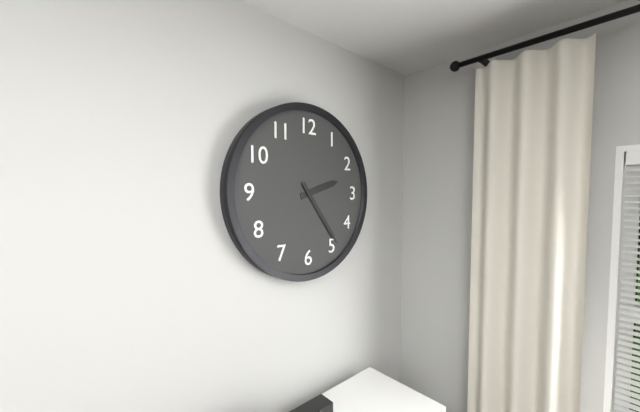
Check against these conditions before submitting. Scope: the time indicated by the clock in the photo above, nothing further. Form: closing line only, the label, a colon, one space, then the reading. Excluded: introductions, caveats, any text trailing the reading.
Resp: 2:24
